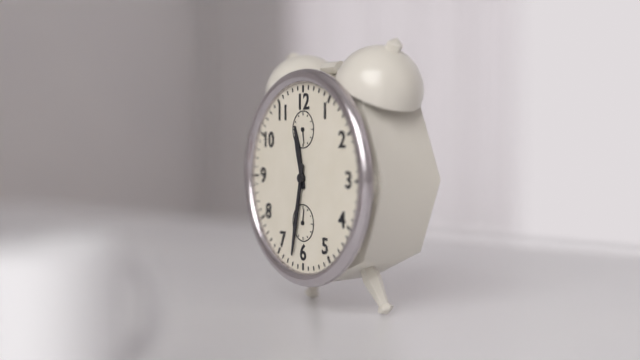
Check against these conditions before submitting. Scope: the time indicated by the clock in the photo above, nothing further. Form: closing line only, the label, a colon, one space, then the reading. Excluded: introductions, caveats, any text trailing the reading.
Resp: 11:32
